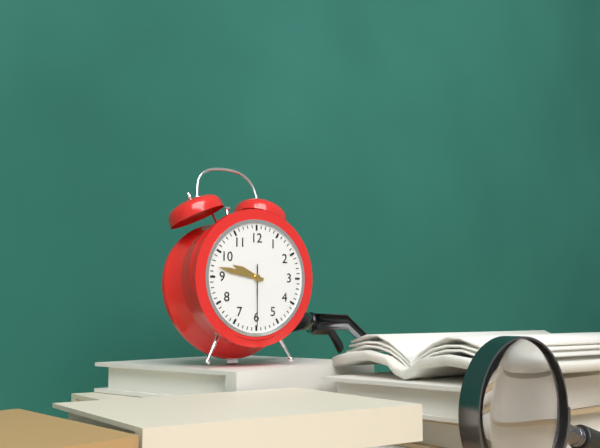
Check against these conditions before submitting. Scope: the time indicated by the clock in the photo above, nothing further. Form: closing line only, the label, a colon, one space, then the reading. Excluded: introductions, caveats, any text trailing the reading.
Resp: 9:47:30
